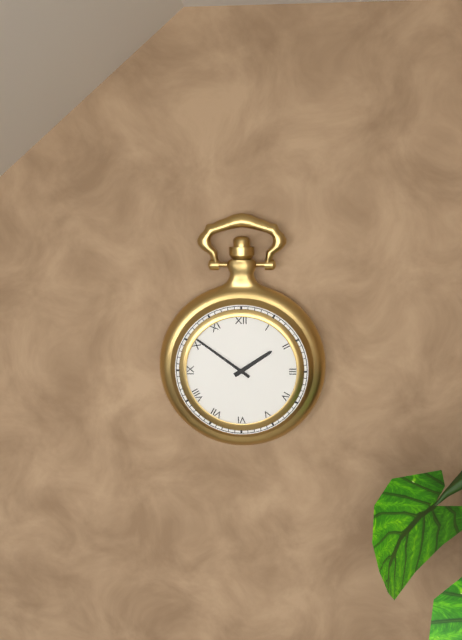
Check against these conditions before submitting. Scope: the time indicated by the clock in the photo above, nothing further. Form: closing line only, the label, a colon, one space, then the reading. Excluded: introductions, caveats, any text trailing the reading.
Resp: 1:51
